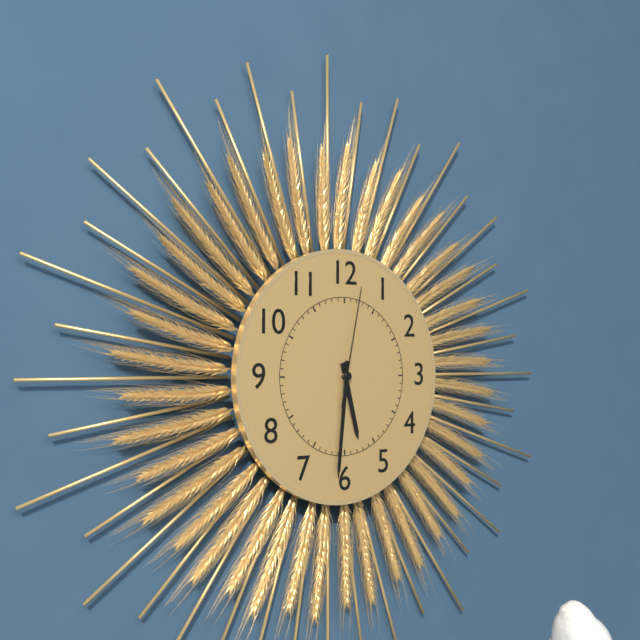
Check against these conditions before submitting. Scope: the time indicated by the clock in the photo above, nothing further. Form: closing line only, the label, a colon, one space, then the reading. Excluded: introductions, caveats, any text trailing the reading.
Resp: 5:31:02
